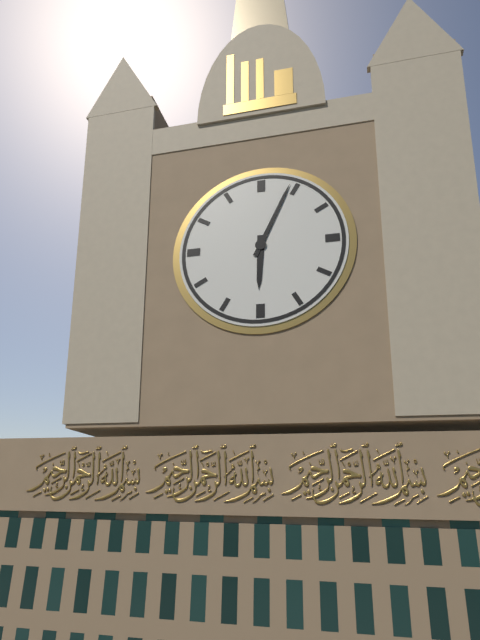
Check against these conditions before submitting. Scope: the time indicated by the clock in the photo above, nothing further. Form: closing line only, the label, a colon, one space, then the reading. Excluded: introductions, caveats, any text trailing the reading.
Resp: 6:04
